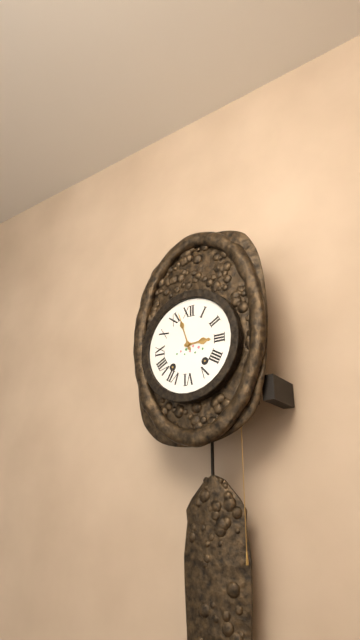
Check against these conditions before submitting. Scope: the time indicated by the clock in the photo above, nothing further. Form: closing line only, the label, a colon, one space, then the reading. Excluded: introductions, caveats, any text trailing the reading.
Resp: 2:57
